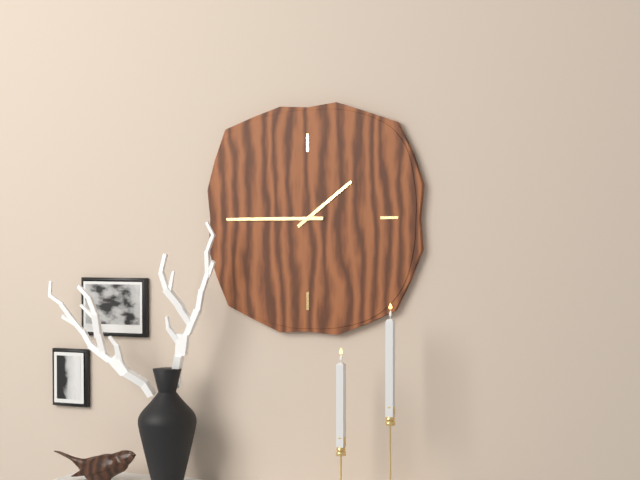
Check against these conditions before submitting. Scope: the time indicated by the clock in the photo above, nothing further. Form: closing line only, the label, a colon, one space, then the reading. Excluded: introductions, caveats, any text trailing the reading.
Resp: 1:45
